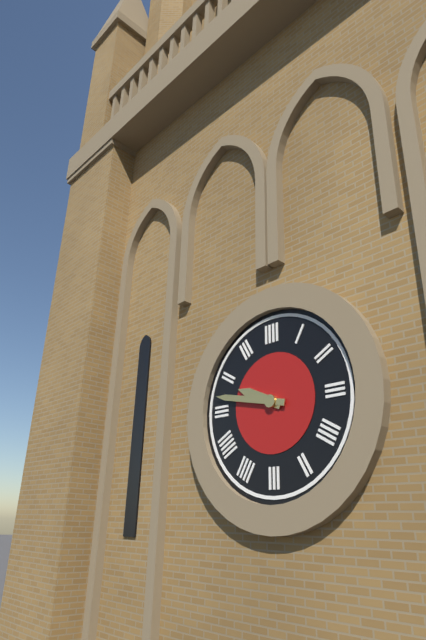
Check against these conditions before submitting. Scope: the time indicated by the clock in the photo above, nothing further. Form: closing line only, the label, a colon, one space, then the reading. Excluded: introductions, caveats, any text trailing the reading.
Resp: 9:47
